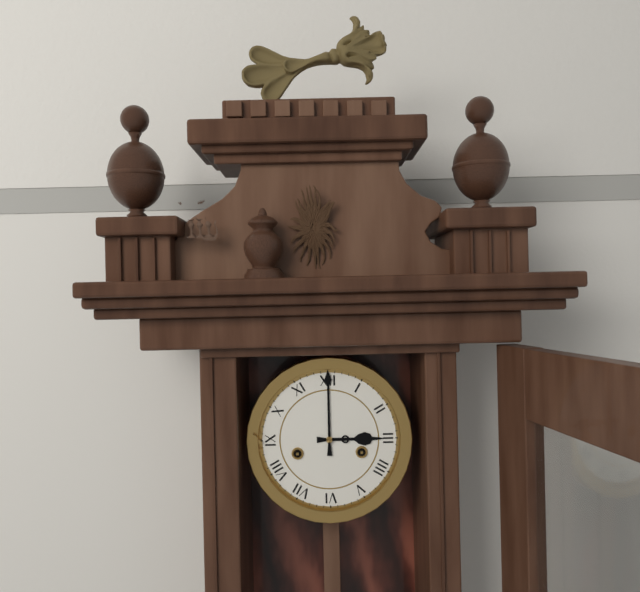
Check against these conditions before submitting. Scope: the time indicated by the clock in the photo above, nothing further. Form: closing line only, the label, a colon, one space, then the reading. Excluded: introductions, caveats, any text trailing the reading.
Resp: 3:00
